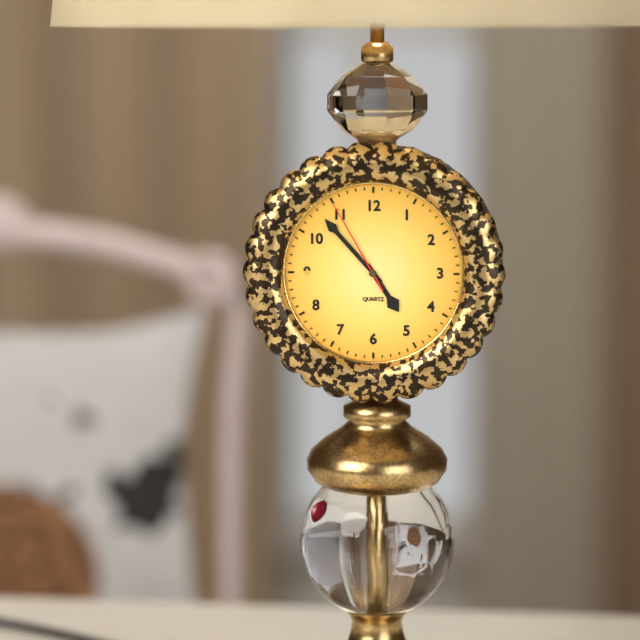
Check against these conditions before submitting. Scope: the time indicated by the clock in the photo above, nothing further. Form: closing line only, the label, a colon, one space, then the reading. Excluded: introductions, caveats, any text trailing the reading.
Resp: 4:53:55
